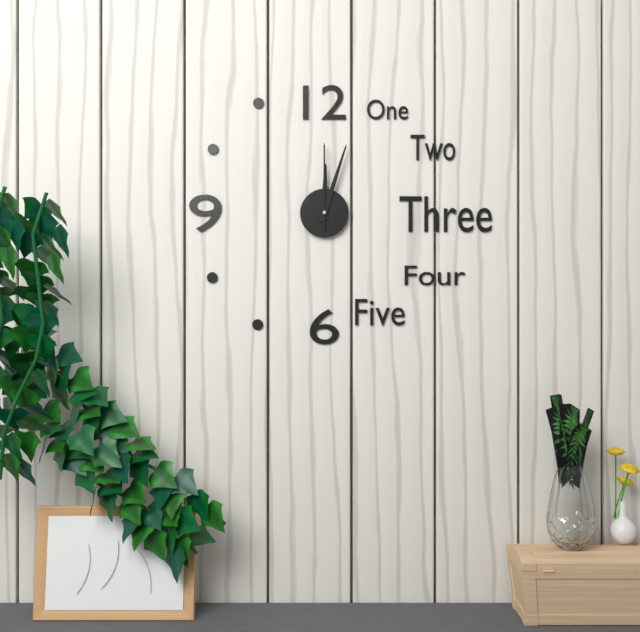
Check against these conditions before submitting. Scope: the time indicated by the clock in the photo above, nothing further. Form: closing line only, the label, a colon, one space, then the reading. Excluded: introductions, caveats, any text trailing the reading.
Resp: 12:03:00
